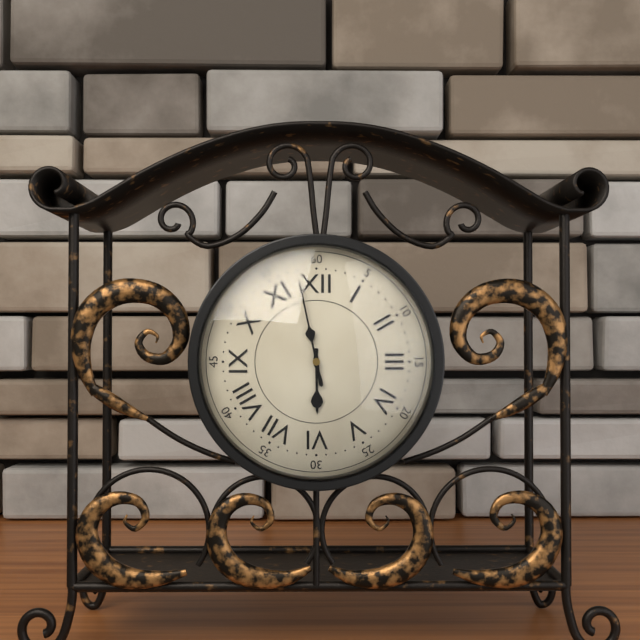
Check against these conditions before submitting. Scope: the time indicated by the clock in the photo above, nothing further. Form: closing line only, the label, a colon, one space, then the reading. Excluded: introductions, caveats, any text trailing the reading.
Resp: 5:58:58
